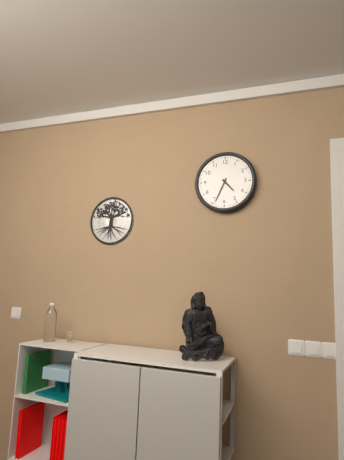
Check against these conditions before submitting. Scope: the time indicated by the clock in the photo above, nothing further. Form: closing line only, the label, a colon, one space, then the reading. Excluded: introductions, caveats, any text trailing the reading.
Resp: 4:34
